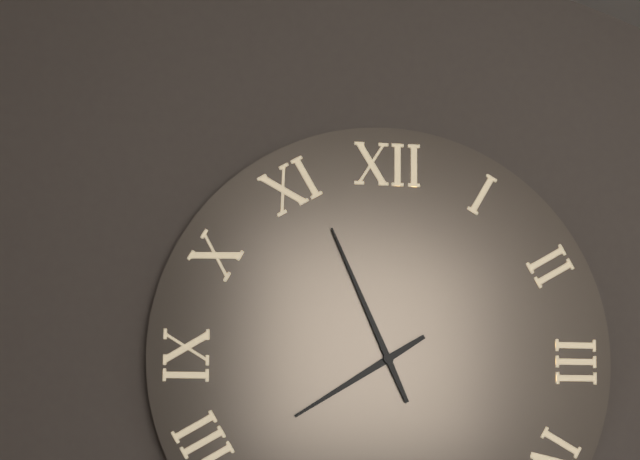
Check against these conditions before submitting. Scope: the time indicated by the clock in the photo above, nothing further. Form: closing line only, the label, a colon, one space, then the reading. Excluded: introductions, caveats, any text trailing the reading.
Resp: 7:56
